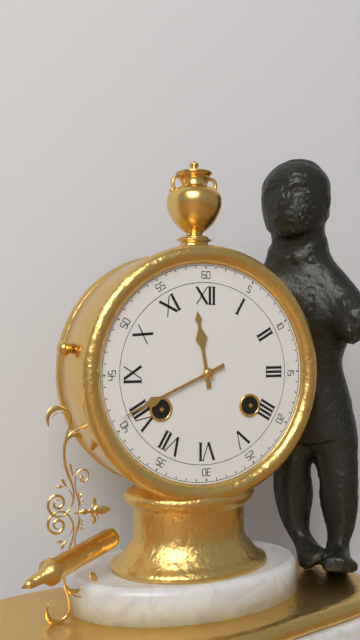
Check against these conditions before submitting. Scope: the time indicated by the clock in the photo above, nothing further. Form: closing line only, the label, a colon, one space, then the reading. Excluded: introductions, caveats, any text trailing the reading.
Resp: 11:41
